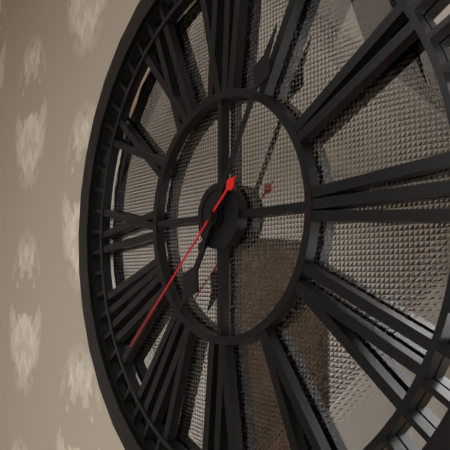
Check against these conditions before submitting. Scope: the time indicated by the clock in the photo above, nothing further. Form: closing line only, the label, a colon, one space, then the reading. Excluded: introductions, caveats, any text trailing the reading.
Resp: 7:05:38
